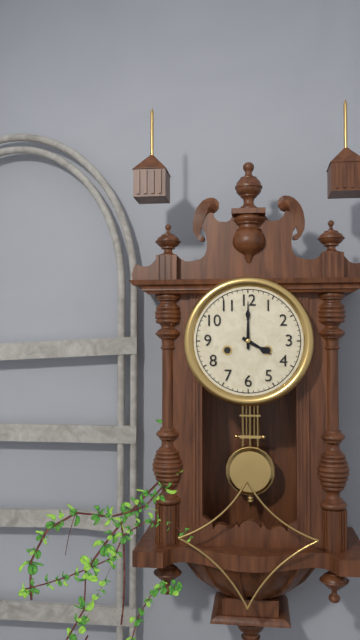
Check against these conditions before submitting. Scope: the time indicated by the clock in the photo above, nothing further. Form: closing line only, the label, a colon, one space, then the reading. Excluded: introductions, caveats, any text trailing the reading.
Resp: 4:00
